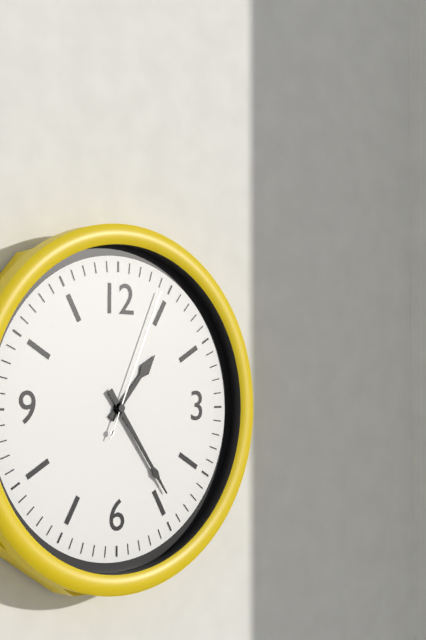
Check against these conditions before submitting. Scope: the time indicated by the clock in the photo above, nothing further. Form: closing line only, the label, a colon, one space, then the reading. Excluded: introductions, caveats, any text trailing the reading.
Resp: 1:24:04
